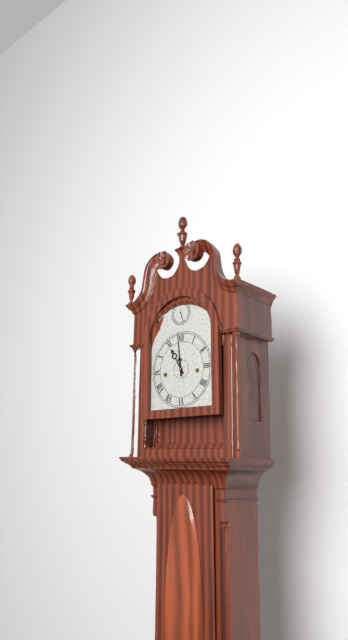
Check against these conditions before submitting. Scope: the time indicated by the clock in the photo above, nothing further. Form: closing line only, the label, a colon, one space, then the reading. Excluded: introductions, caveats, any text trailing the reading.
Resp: 10:59
